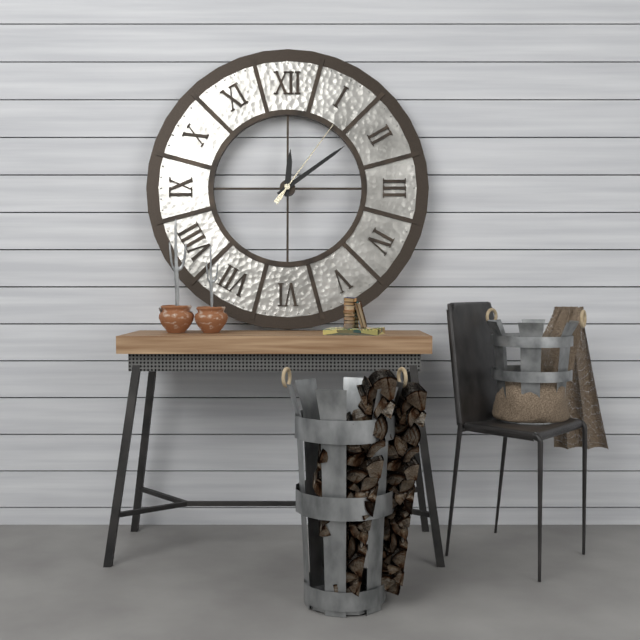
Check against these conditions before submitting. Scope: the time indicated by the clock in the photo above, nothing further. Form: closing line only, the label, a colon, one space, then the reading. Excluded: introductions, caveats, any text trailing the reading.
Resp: 12:09:06
